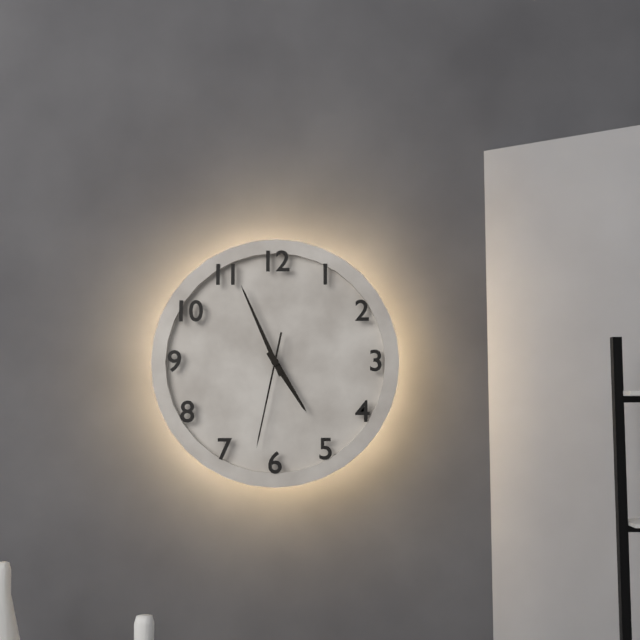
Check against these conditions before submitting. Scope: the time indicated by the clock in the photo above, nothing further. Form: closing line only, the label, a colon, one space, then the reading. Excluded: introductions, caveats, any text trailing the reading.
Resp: 4:56:32
